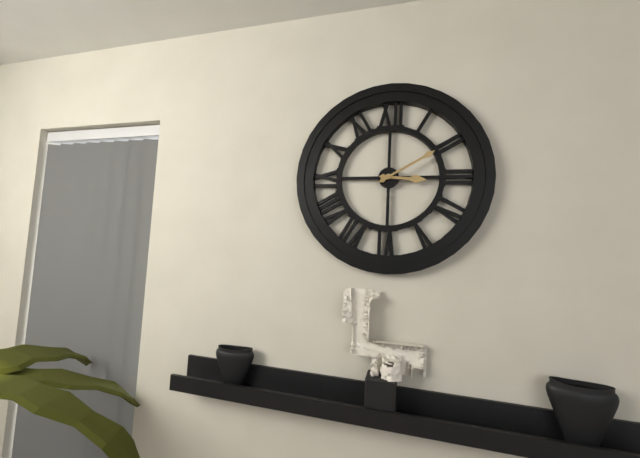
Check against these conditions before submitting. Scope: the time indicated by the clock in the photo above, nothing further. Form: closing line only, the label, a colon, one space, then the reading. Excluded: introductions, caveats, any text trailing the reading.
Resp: 3:10
